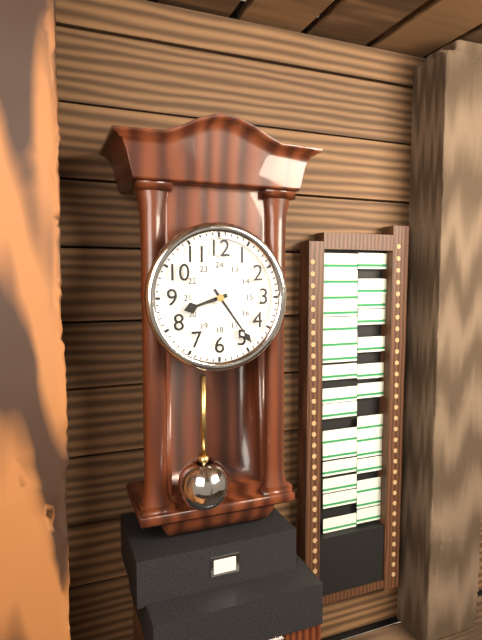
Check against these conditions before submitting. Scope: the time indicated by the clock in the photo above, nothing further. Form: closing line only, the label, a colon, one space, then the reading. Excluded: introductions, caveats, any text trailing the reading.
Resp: 8:24
